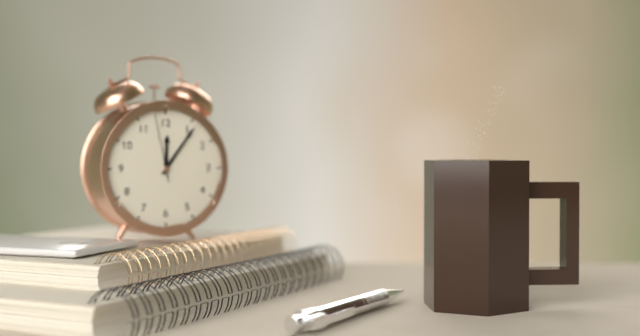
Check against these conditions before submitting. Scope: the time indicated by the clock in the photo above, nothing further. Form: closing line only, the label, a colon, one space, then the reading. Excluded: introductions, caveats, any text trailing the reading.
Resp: 12:06:58
